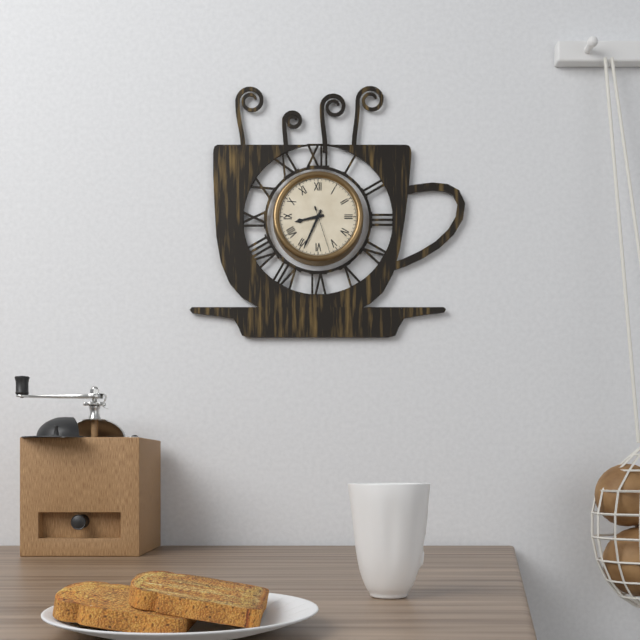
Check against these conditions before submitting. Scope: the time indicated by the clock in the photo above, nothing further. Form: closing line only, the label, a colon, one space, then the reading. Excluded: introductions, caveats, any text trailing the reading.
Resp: 8:34
